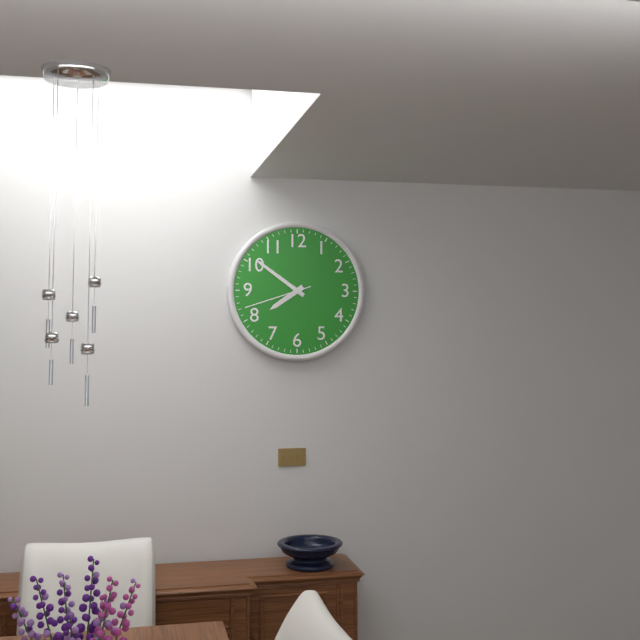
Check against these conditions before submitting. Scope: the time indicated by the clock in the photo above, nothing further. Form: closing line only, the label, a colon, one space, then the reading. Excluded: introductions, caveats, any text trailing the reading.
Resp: 7:51:42
